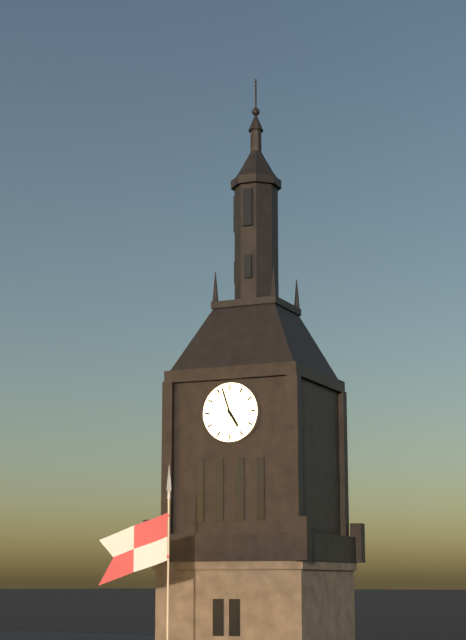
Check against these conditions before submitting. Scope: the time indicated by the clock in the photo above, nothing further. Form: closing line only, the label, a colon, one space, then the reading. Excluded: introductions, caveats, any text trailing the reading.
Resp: 4:57
